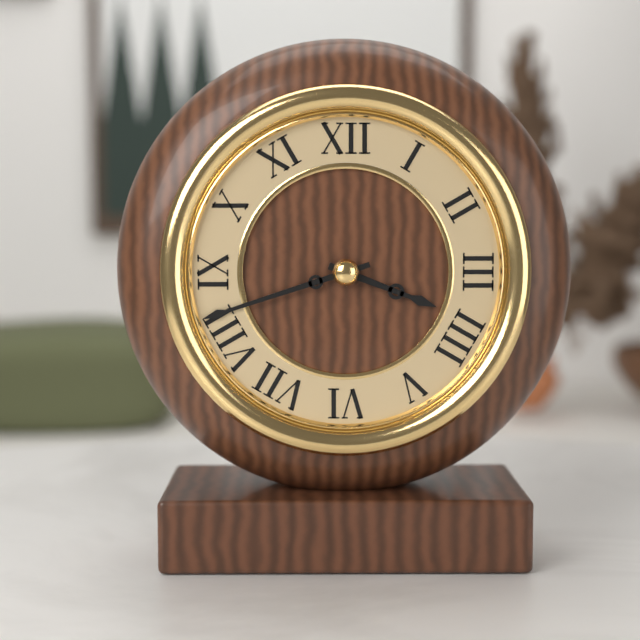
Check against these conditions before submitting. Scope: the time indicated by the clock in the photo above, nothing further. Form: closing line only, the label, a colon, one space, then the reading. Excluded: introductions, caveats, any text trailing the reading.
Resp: 3:42
